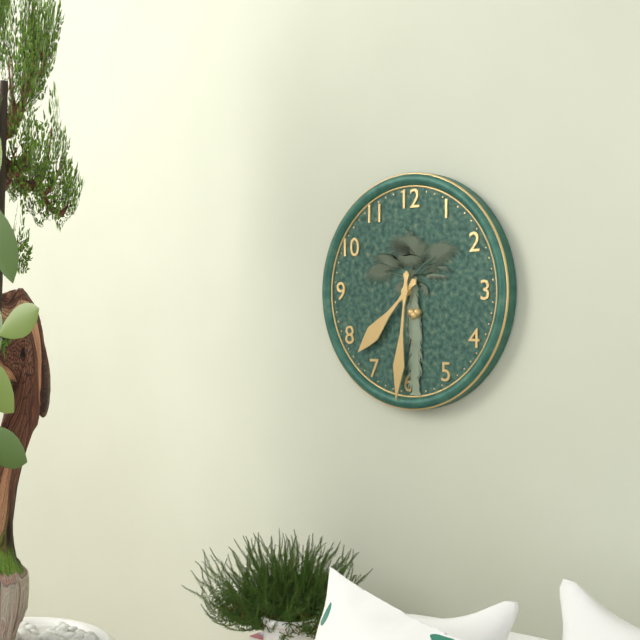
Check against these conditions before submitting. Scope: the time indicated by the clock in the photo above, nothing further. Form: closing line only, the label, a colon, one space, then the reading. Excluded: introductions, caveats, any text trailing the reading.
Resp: 7:31
